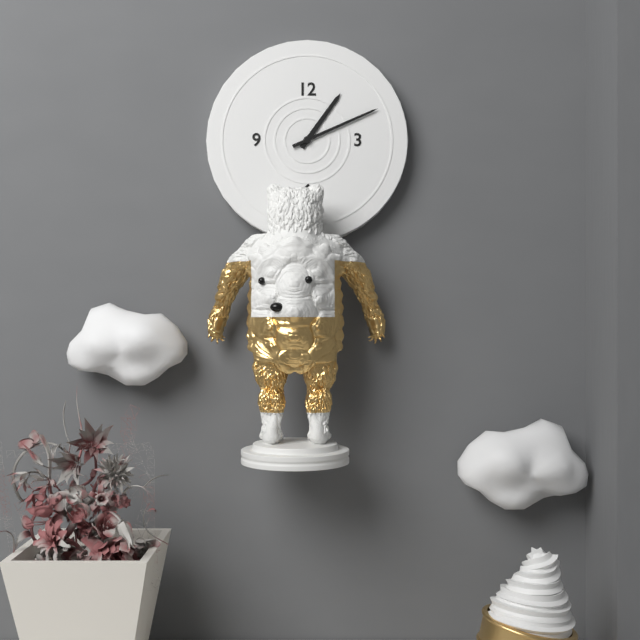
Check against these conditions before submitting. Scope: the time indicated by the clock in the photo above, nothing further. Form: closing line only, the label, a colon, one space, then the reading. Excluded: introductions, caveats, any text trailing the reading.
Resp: 1:11
